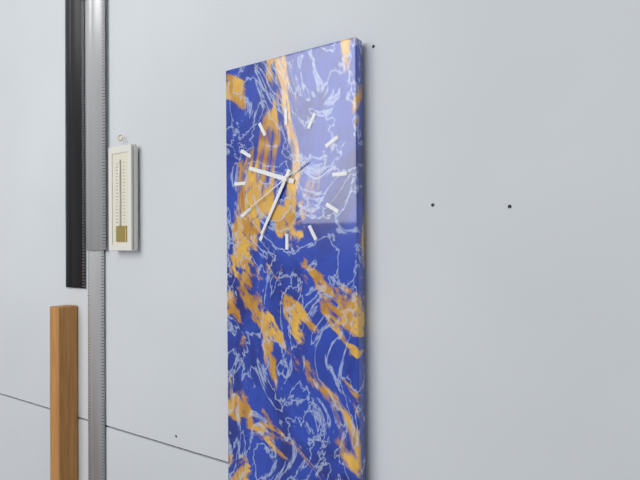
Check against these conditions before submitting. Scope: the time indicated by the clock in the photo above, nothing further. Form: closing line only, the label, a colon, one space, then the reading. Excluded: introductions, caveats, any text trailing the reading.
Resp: 9:35:40
